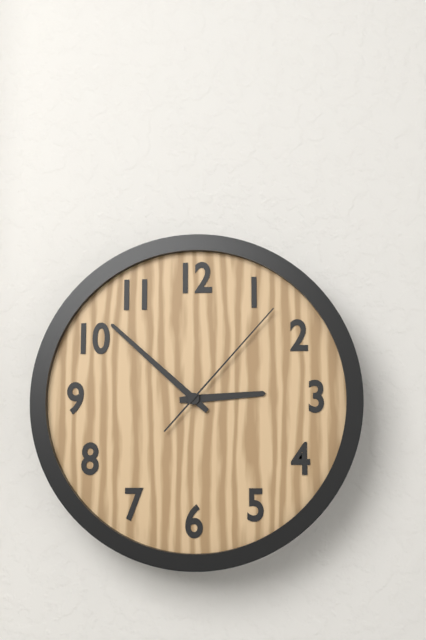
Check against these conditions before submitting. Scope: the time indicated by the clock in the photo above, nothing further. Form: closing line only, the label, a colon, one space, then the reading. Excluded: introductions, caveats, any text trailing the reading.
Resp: 2:52:07
